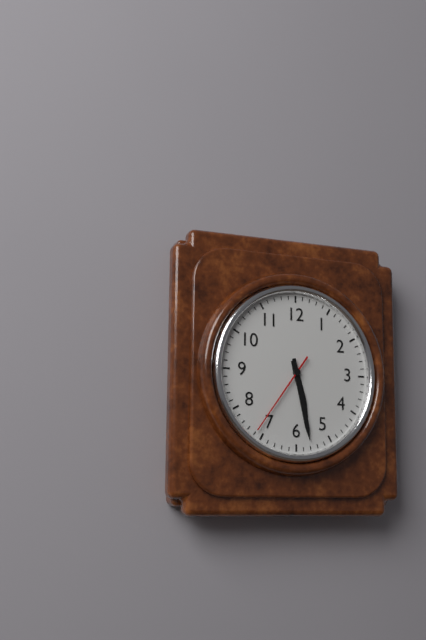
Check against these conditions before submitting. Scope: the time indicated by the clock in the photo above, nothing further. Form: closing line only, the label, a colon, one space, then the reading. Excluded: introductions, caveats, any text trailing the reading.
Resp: 5:28:36
